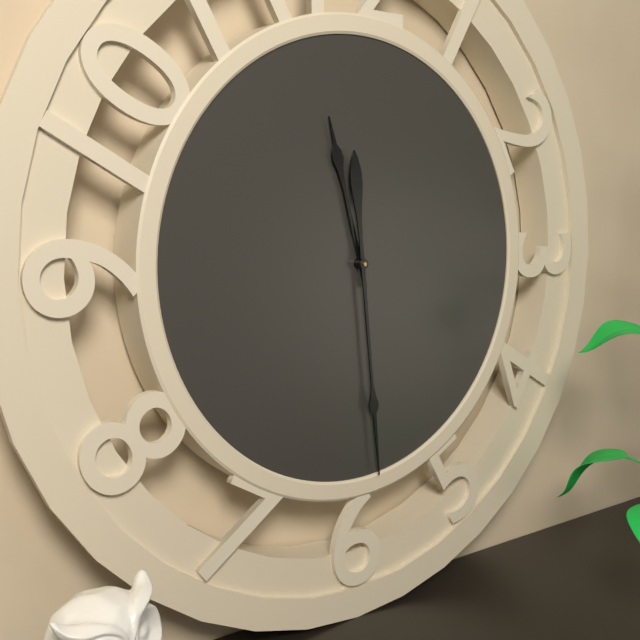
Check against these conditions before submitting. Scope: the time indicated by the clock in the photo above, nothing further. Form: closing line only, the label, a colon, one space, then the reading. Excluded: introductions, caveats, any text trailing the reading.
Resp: 11:29
